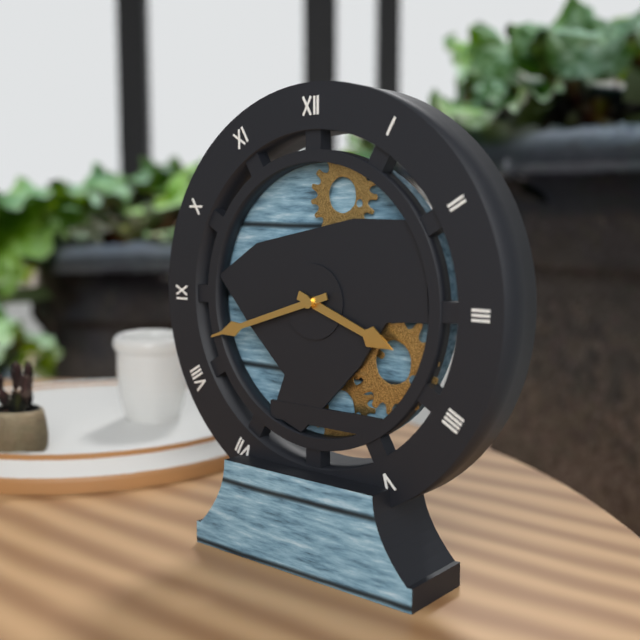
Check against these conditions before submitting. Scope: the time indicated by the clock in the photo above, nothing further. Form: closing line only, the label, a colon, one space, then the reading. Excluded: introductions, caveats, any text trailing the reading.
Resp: 3:42
